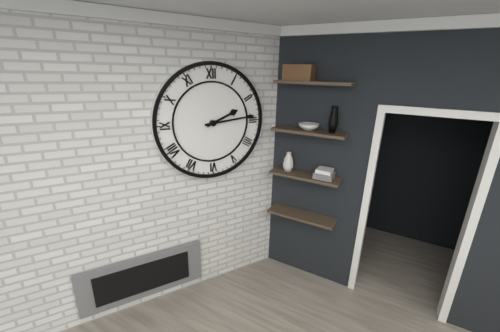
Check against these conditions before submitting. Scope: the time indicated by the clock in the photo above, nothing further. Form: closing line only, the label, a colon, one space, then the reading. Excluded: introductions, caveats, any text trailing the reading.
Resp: 2:14
